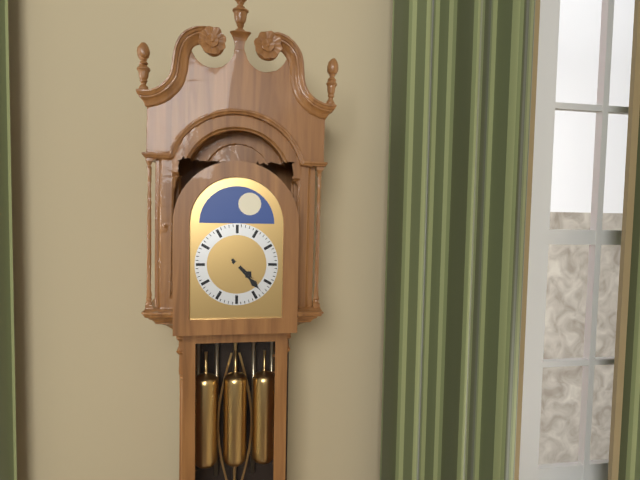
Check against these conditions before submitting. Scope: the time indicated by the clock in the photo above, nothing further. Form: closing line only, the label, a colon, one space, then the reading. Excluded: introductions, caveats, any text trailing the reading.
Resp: 4:23
